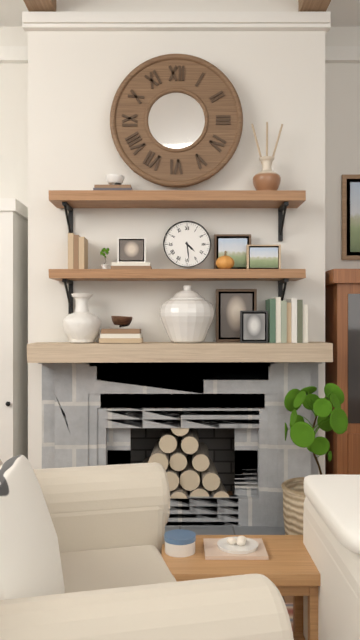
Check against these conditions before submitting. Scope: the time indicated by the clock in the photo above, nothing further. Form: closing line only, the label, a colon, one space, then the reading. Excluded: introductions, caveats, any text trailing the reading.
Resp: 4:29
